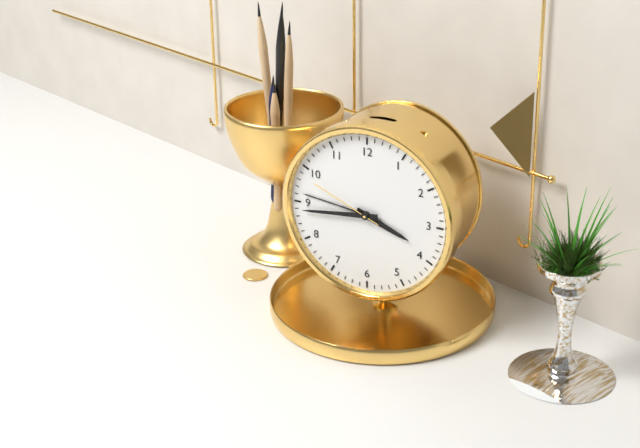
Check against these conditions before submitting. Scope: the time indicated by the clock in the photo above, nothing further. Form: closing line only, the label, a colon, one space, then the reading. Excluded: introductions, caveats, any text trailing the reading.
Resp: 3:44:49
